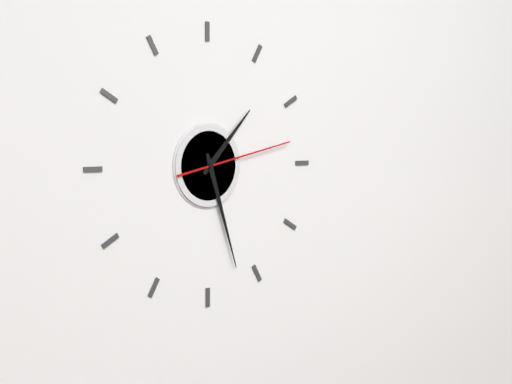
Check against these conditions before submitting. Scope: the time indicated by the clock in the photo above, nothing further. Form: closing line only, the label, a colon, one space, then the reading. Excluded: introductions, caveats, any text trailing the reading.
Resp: 1:27:13
